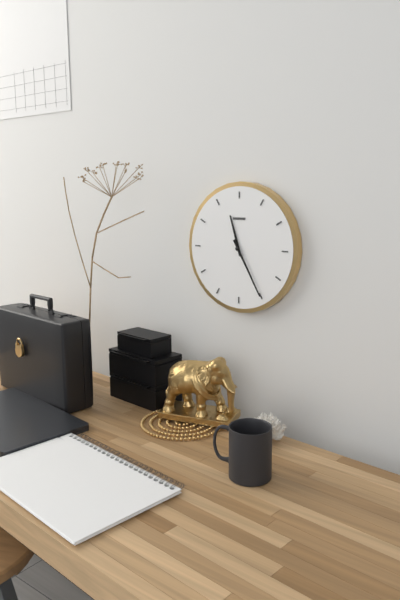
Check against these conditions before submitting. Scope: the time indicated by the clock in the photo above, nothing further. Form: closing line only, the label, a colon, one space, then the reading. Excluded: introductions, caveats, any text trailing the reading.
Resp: 11:25
